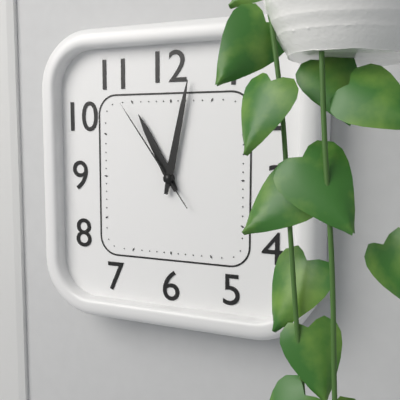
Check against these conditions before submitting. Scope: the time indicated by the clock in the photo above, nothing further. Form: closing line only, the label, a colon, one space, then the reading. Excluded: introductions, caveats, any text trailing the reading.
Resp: 11:02:54
